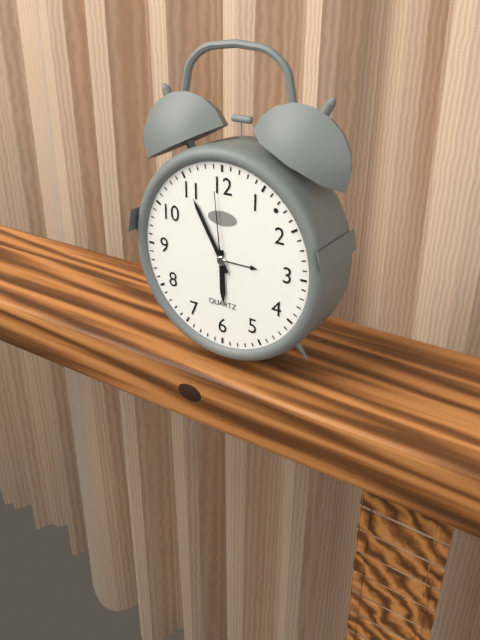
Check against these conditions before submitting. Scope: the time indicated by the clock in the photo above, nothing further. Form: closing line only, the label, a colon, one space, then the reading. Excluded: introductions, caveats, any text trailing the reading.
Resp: 5:55:59
